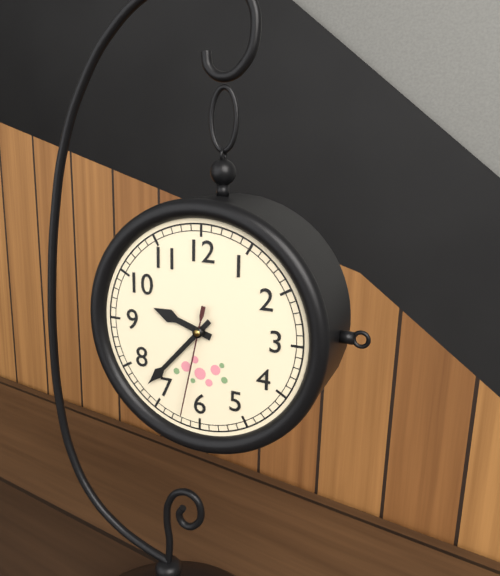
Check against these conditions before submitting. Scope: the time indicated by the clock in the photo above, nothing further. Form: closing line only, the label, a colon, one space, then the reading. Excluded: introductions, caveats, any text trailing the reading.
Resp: 9:37:32
